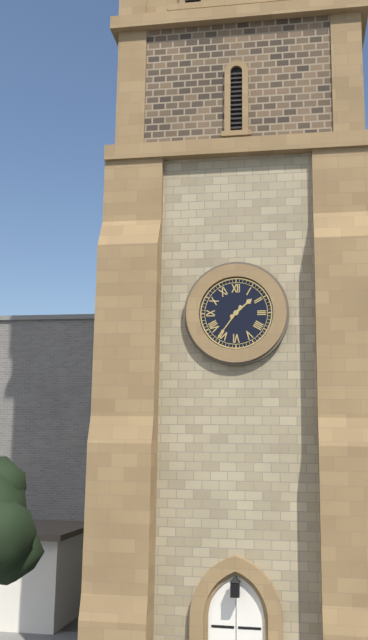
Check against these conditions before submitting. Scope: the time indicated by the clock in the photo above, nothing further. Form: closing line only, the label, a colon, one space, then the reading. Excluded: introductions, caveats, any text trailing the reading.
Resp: 1:36
